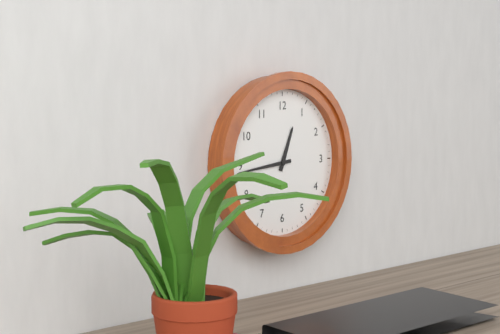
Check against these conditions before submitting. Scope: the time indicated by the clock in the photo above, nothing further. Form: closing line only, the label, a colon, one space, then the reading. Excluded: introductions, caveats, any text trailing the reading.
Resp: 12:44
